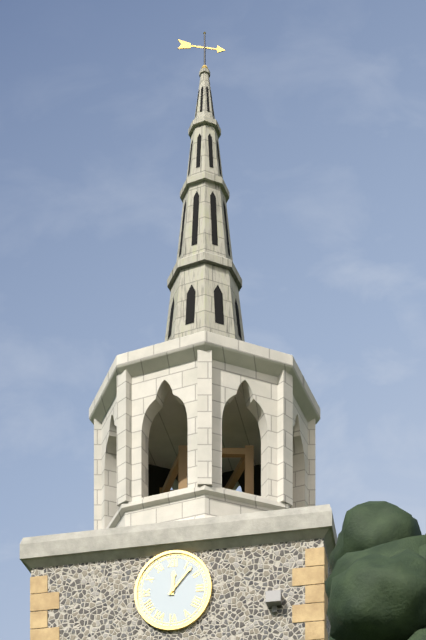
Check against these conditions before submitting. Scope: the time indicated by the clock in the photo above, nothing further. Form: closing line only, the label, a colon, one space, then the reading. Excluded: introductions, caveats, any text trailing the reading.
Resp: 12:07
